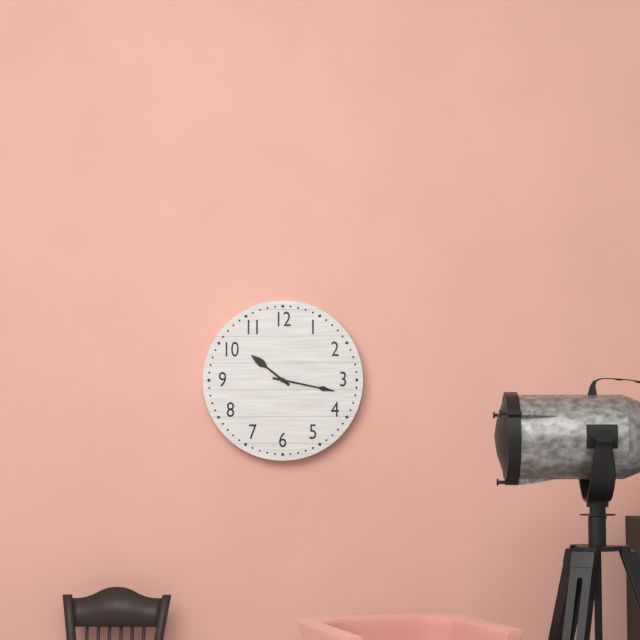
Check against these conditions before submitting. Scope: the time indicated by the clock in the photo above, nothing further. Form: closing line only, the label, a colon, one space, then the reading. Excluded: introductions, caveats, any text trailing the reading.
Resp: 10:17
